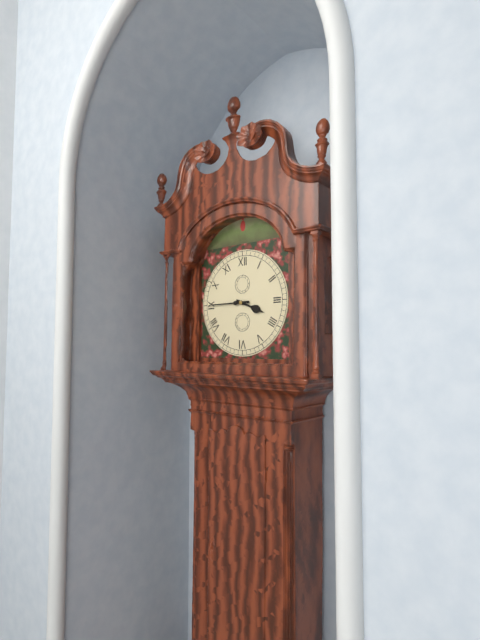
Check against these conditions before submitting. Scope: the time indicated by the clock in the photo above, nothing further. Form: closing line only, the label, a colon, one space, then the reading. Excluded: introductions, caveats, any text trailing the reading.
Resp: 3:45
